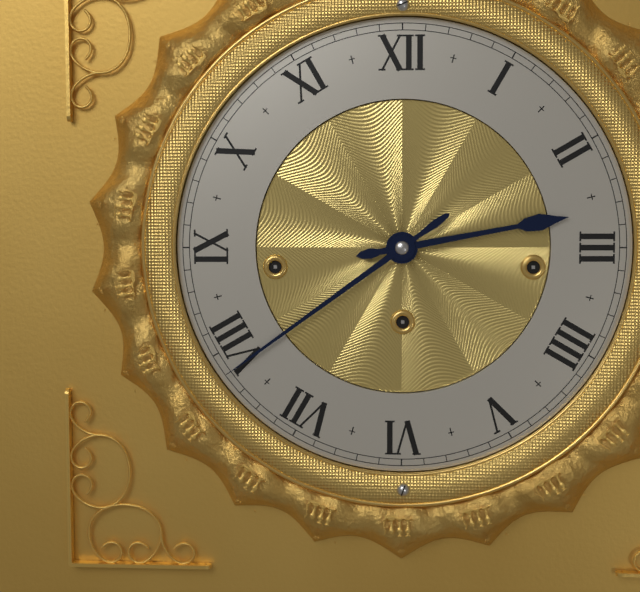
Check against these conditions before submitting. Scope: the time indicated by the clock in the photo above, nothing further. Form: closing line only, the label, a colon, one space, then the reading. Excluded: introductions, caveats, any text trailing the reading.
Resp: 2:39
